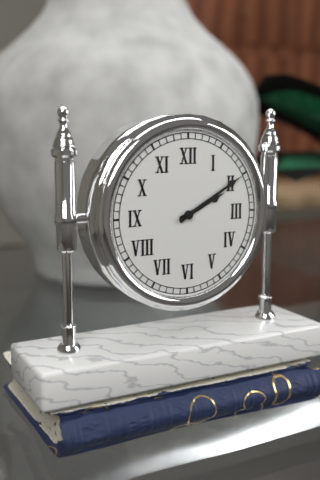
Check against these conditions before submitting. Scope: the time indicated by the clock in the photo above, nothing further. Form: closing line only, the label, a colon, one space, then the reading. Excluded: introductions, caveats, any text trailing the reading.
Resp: 2:10
